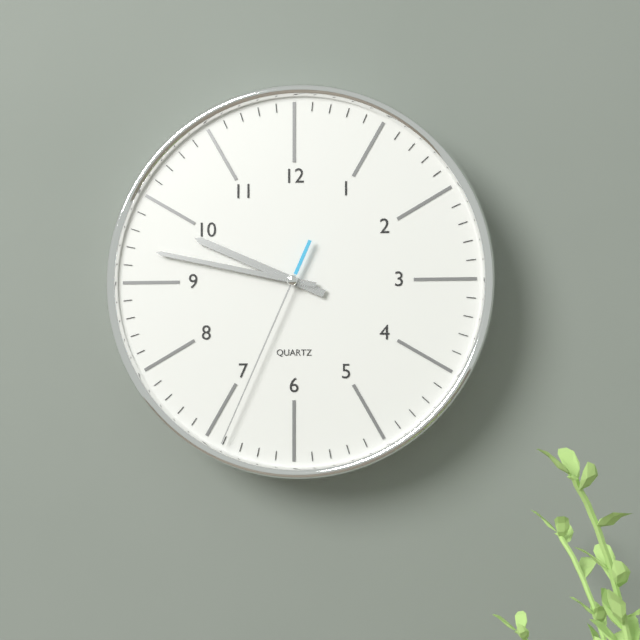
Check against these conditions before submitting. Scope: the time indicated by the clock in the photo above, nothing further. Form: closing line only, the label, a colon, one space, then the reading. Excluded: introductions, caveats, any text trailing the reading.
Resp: 9:47:34
